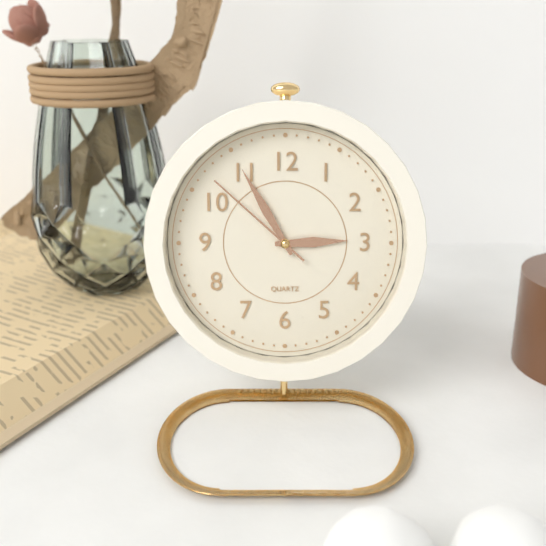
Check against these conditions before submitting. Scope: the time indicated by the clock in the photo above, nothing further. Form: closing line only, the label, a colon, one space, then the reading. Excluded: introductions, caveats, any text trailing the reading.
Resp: 2:55:52
